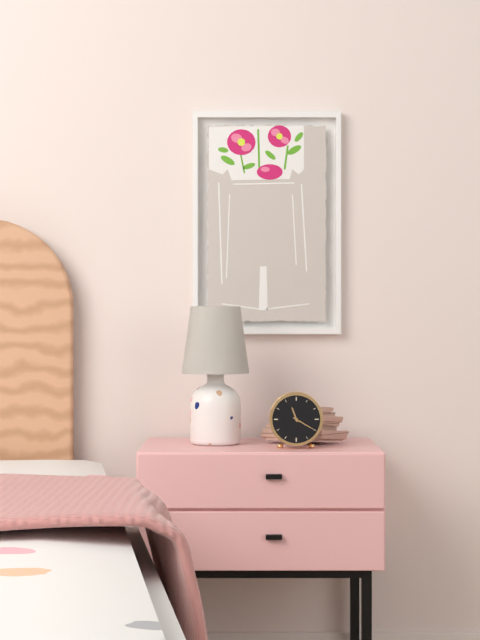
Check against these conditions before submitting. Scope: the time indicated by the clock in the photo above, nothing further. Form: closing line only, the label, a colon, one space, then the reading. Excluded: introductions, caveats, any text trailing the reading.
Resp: 11:20
